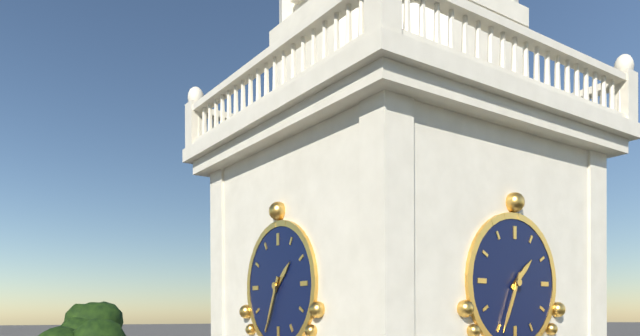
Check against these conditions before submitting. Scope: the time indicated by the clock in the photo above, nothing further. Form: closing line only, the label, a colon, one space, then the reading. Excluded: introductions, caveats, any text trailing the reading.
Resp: 1:34
